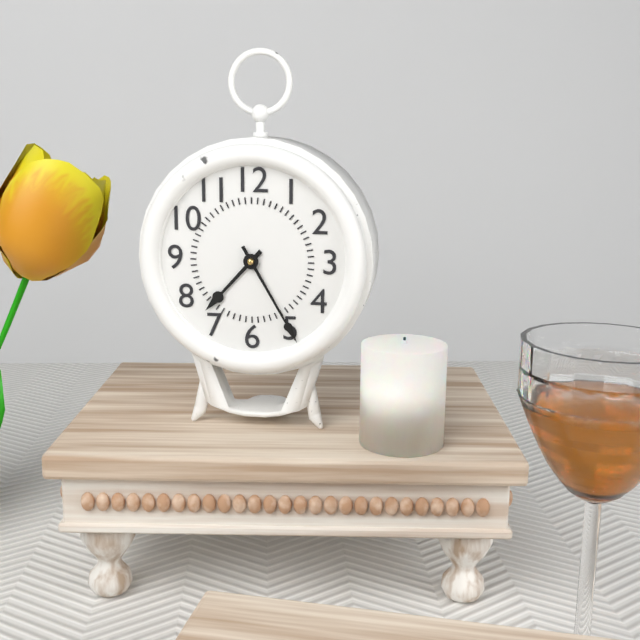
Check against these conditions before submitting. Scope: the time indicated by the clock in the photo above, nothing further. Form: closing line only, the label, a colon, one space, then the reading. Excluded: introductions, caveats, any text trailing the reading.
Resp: 7:25
